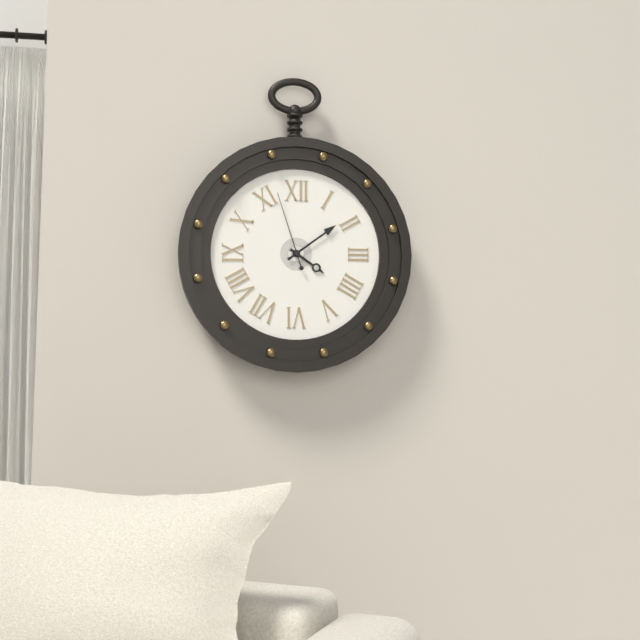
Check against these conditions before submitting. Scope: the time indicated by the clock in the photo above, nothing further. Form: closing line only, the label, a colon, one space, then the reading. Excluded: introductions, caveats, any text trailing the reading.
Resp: 4:09:57
